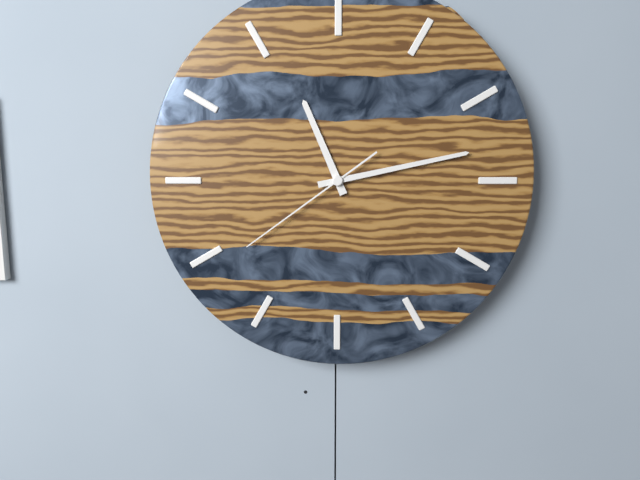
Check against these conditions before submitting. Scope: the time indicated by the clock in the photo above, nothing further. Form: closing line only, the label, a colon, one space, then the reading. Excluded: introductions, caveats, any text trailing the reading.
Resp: 11:13:39
